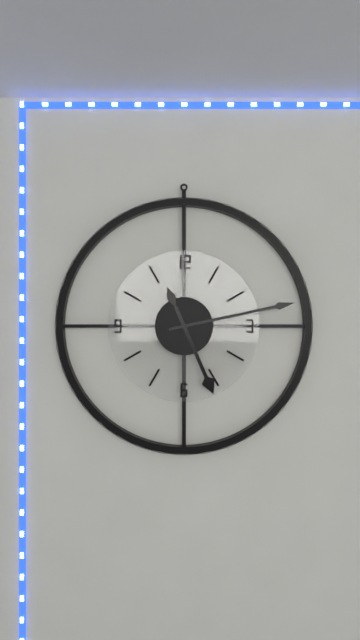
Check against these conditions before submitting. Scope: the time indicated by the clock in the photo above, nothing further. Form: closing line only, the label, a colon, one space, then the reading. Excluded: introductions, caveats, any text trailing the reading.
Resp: 5:13
